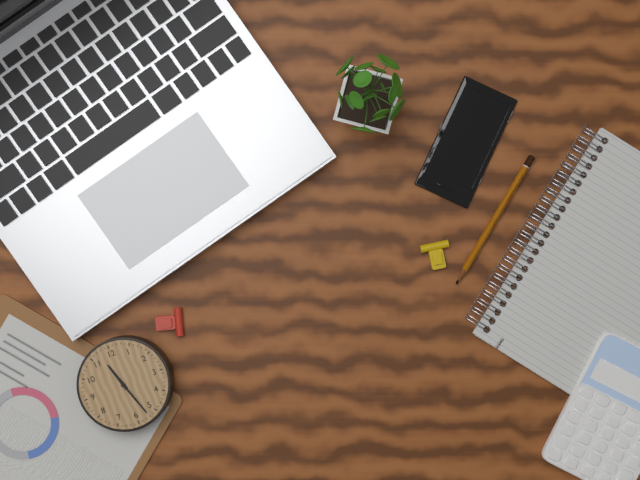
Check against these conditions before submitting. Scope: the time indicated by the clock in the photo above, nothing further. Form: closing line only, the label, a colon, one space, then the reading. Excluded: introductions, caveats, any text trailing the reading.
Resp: 11:27
